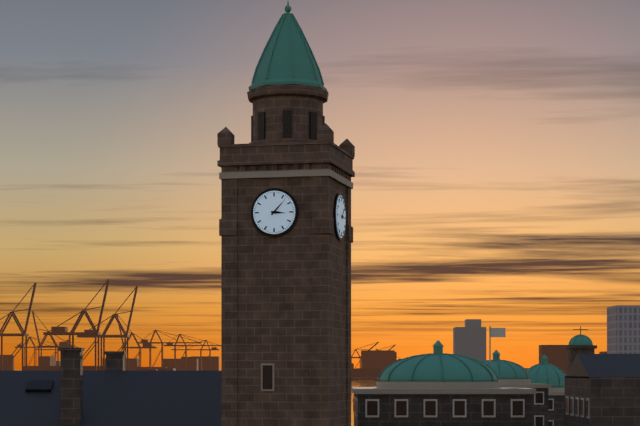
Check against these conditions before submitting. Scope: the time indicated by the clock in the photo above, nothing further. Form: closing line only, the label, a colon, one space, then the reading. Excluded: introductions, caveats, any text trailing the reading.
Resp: 3:07
